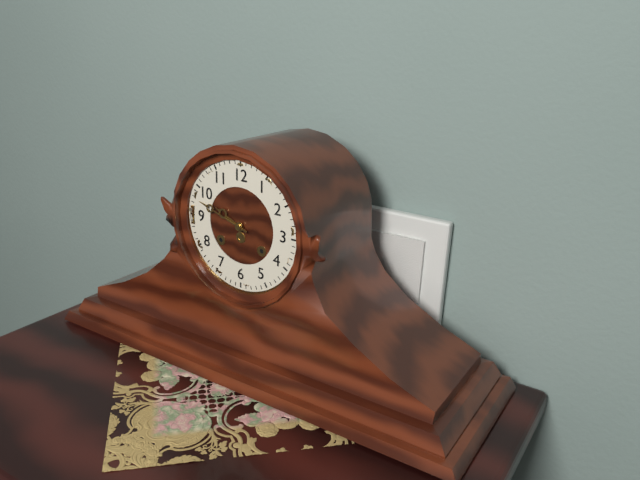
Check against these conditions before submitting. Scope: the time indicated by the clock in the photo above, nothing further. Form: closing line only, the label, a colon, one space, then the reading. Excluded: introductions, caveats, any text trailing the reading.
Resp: 9:48
